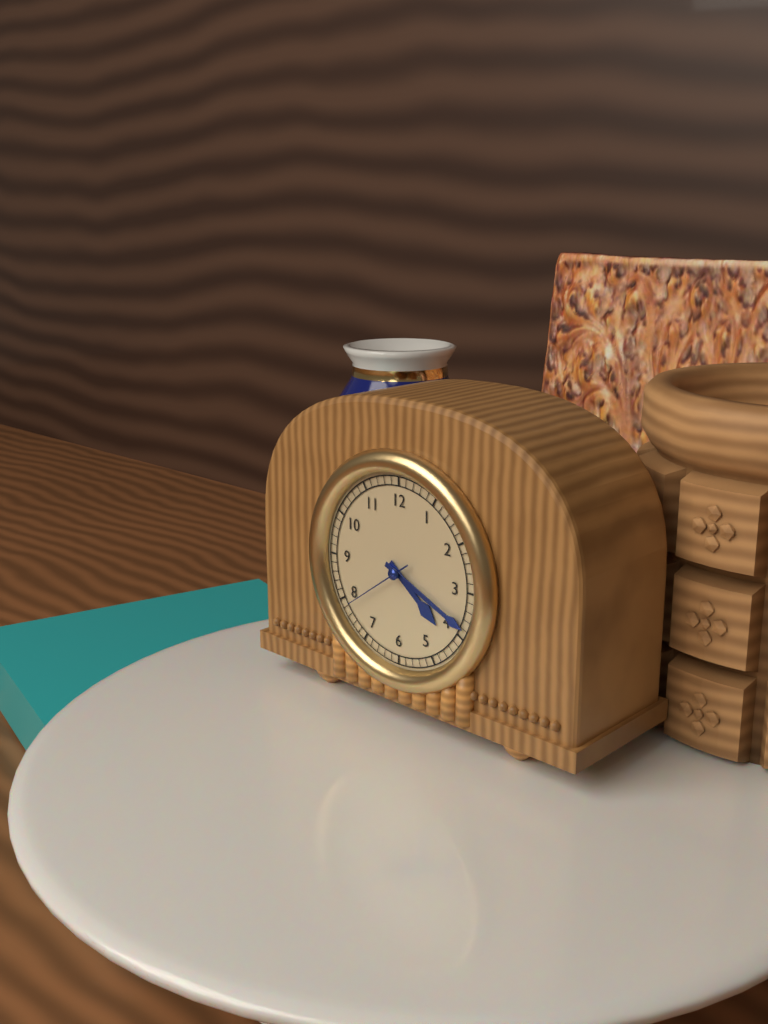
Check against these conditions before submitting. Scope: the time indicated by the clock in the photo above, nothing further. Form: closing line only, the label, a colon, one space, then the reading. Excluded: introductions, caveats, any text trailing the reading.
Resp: 4:19:39
